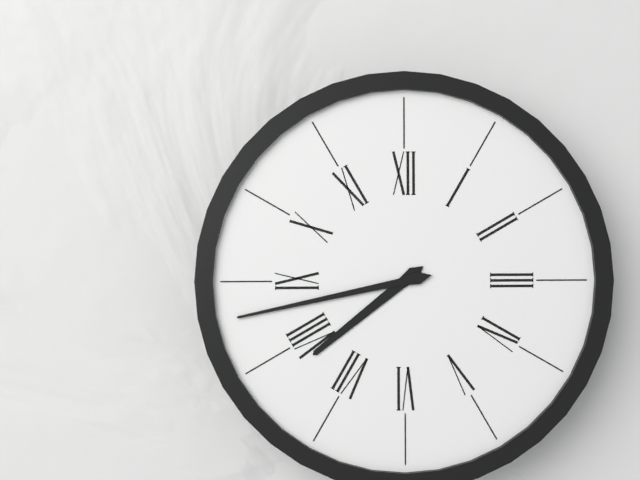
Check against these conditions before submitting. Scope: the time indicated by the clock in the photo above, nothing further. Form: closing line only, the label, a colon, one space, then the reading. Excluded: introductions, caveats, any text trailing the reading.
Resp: 7:43
